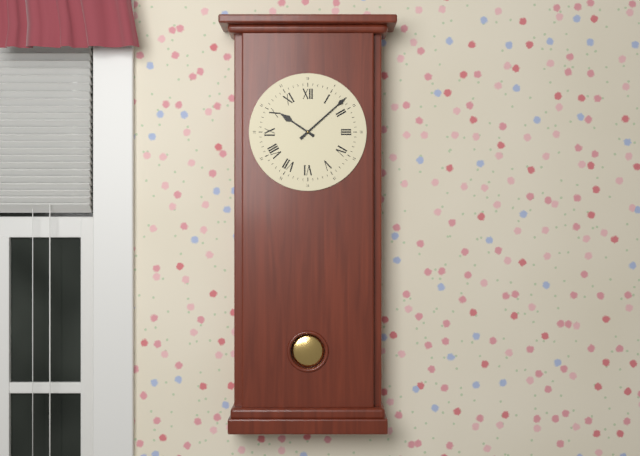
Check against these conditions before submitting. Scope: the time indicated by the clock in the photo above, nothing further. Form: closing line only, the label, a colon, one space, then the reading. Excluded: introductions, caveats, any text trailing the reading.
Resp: 10:08
